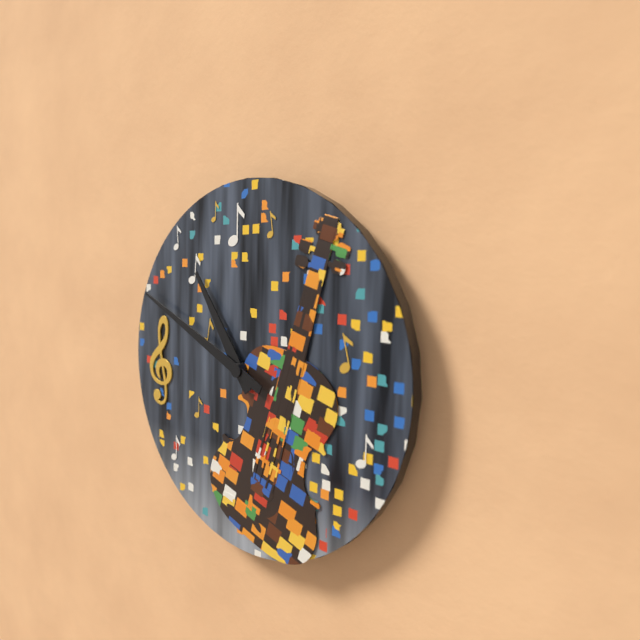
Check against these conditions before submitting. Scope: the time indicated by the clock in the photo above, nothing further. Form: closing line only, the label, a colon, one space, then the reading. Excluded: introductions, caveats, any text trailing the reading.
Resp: 10:49
